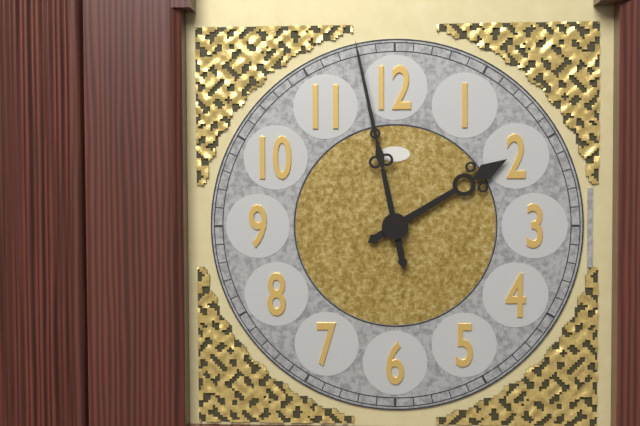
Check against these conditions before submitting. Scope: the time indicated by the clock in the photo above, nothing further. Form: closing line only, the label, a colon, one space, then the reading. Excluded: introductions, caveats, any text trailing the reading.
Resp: 1:58
